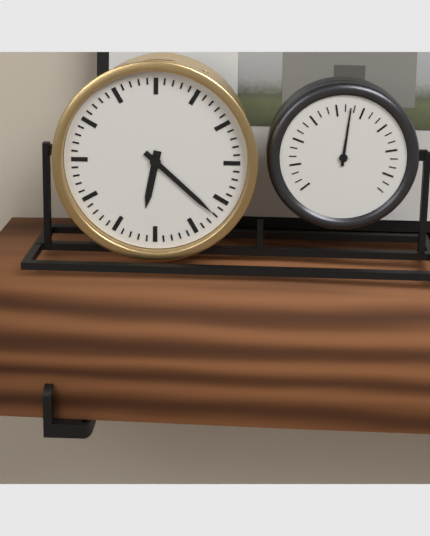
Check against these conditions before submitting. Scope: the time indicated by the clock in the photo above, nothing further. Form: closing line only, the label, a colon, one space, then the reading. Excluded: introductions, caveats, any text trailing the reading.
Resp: 6:22
